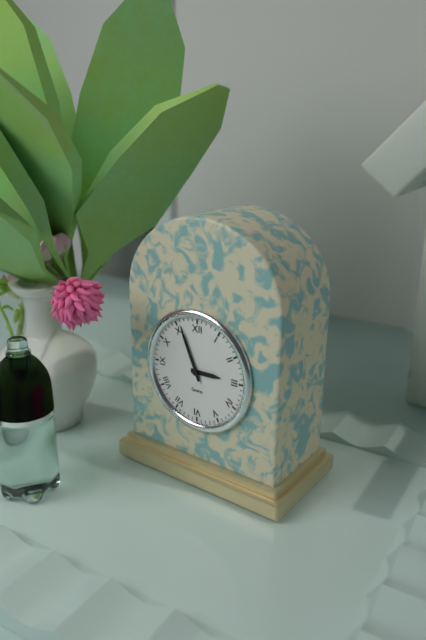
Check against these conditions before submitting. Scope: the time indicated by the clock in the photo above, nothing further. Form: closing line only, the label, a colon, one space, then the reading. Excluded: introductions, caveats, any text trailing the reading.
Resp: 2:56
